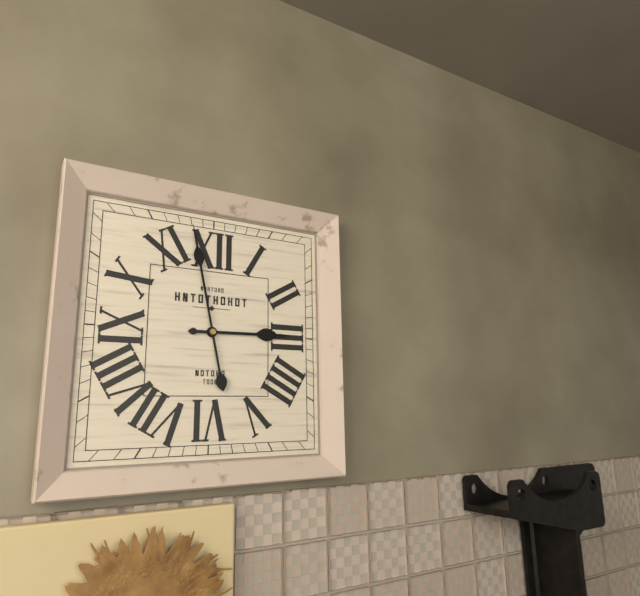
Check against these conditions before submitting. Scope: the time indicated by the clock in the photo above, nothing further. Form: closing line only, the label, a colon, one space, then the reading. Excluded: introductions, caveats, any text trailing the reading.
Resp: 2:58
